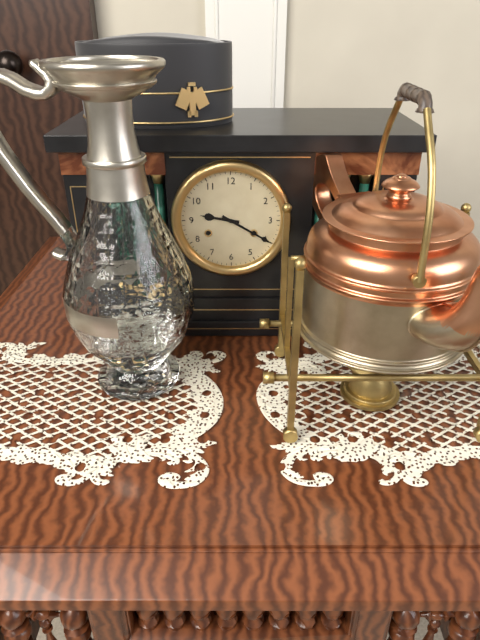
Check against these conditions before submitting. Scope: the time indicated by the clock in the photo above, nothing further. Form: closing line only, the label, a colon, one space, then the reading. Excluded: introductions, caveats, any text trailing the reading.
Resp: 9:20
